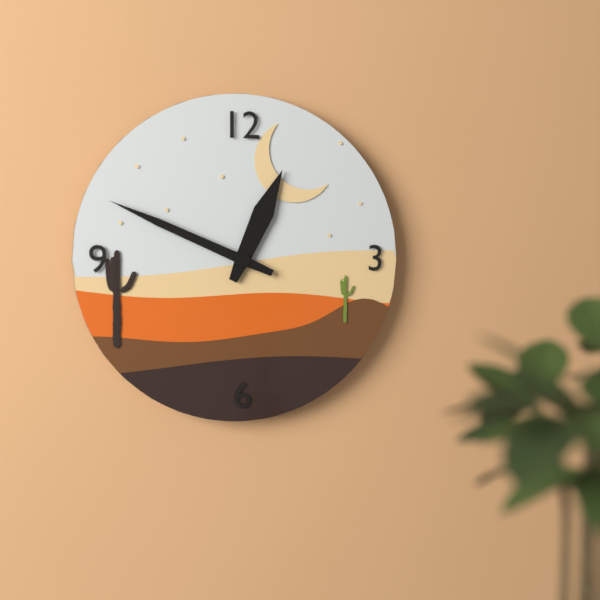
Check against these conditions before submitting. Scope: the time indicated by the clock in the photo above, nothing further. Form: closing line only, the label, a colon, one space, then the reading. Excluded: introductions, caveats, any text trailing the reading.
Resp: 12:49
